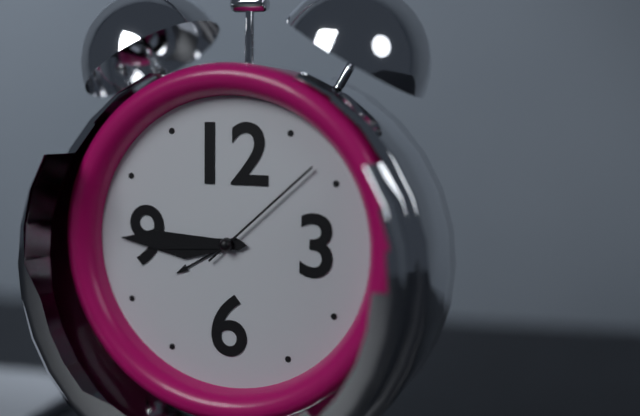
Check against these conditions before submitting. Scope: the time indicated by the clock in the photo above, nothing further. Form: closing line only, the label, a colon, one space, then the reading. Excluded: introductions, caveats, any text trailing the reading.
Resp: 8:45:08
